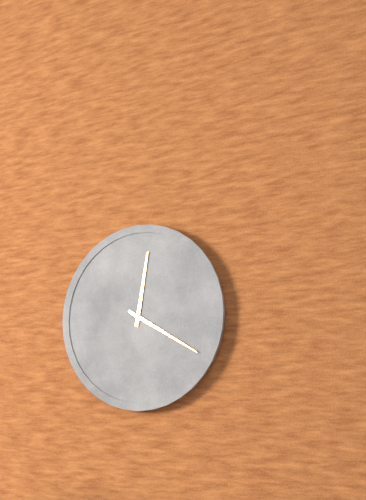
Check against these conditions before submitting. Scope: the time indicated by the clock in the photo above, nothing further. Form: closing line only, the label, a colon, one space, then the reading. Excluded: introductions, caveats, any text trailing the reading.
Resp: 12:20
